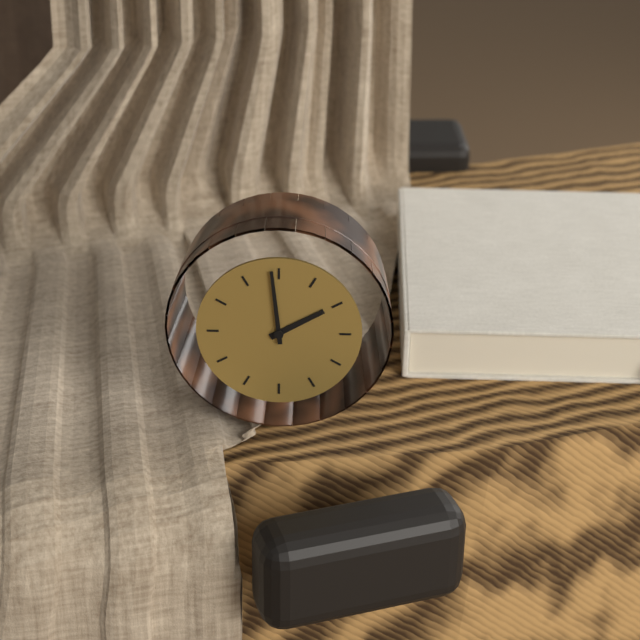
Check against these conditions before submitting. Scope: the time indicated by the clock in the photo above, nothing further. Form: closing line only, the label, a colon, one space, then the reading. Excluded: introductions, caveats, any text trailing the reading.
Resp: 1:59
